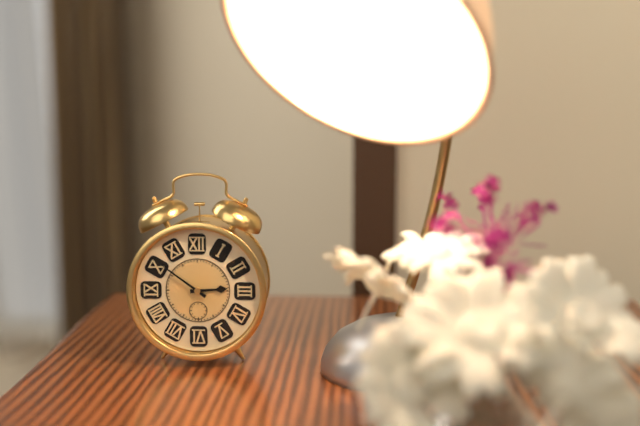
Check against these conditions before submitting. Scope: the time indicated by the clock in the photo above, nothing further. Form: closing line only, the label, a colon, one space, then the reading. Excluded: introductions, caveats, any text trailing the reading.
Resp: 2:51
